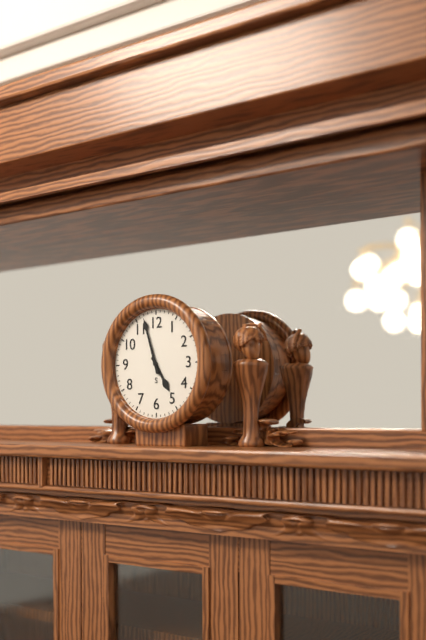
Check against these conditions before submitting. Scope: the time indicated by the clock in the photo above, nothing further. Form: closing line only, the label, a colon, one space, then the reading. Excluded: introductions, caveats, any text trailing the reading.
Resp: 4:57
